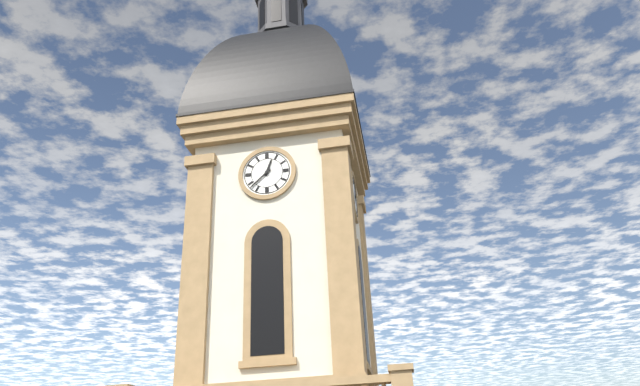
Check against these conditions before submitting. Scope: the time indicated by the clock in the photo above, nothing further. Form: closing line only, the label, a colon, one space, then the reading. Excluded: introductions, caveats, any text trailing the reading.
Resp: 12:38
